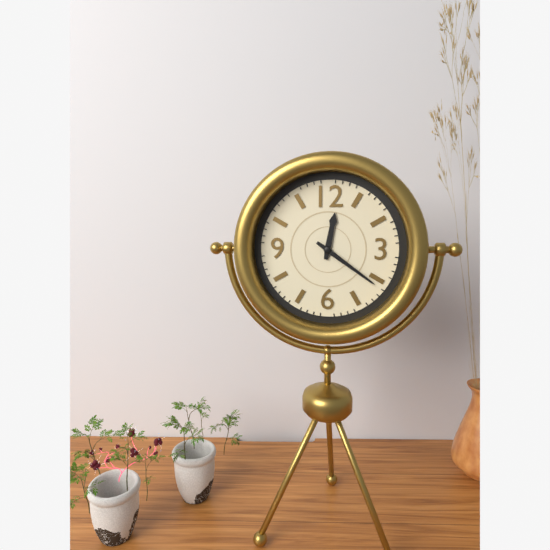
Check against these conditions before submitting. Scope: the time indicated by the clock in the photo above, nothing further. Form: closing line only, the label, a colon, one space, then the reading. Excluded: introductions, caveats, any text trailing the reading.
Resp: 12:21
